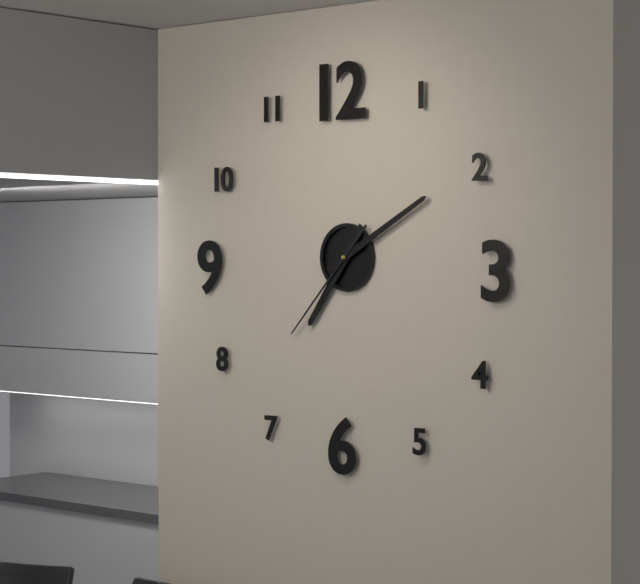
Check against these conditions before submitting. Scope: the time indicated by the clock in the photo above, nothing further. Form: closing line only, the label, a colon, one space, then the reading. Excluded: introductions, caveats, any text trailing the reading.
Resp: 7:10:37
